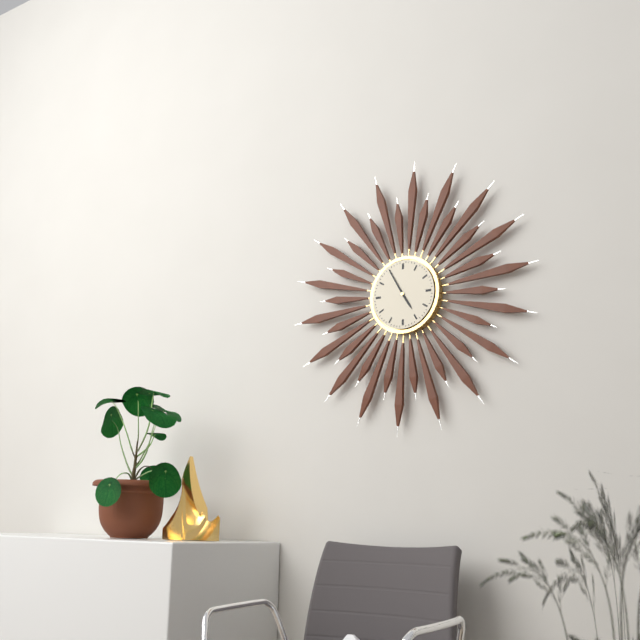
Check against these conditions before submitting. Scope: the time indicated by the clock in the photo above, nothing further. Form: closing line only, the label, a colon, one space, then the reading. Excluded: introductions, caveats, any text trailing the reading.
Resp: 4:55
